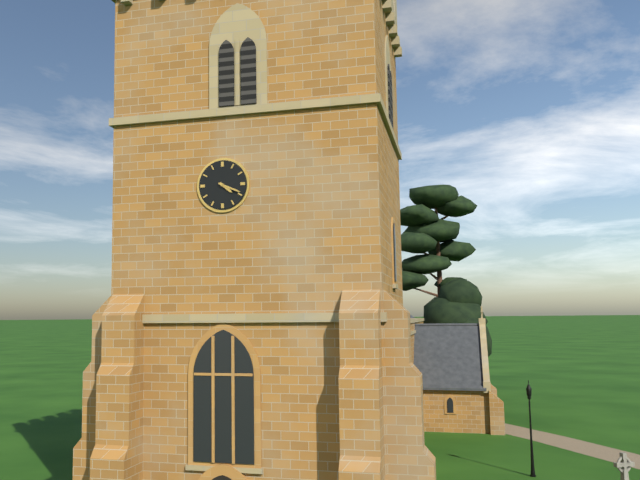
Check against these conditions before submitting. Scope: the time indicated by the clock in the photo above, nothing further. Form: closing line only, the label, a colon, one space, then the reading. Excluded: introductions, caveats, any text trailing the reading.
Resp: 4:19
